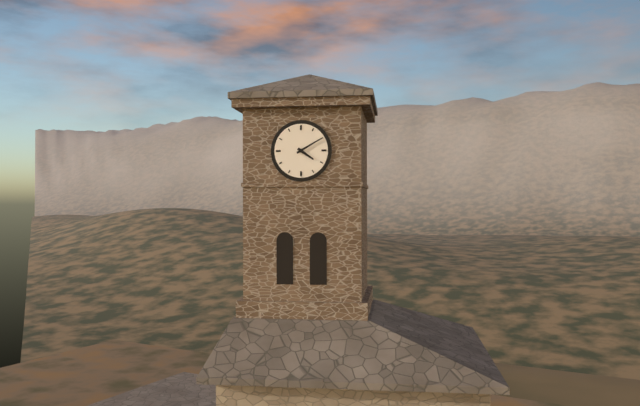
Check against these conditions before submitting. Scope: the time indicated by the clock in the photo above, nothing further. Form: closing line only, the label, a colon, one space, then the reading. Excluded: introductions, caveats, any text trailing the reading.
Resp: 4:10
